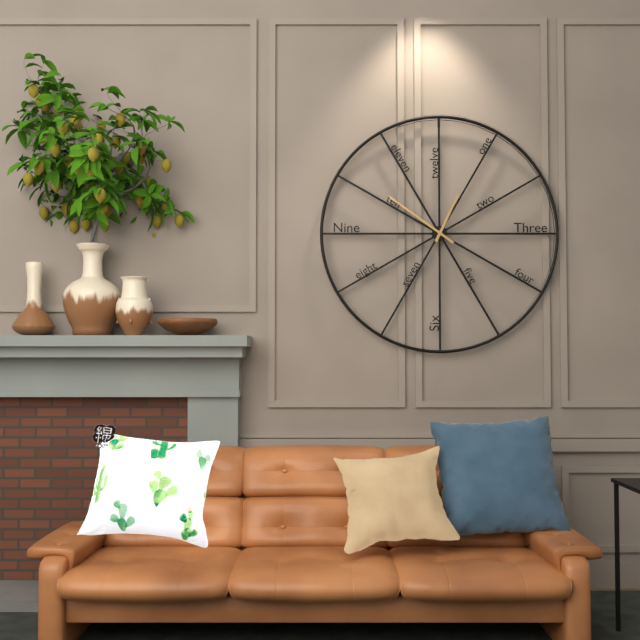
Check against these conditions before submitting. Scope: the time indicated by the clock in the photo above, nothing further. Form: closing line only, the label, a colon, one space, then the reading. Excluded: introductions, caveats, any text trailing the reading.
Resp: 12:51
